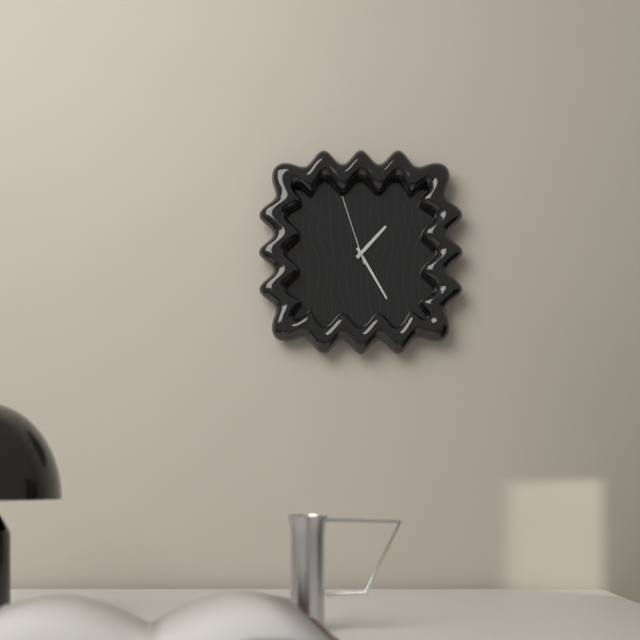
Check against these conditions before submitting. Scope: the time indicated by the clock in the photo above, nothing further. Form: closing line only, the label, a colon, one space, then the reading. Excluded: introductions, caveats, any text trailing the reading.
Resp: 1:25:57
